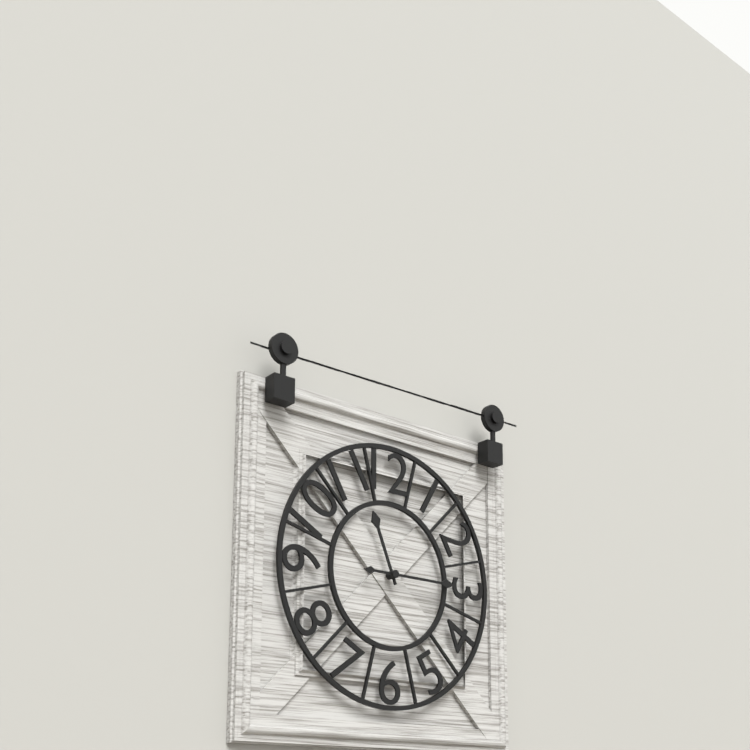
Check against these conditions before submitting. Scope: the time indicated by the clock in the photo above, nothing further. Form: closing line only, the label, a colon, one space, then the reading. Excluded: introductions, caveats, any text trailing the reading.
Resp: 11:15
